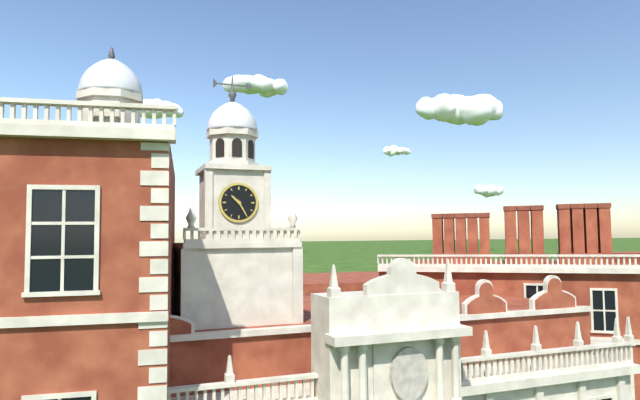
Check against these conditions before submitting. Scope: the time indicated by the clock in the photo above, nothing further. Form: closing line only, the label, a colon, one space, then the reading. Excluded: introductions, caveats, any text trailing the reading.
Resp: 10:25
